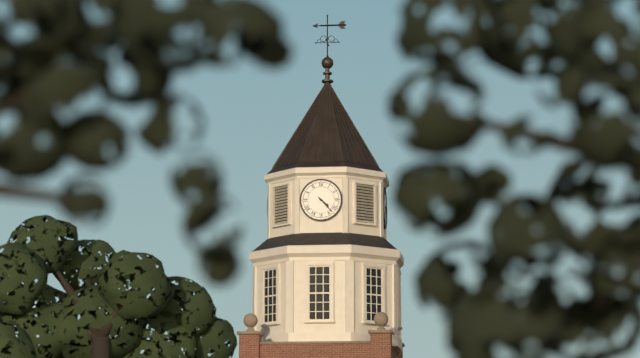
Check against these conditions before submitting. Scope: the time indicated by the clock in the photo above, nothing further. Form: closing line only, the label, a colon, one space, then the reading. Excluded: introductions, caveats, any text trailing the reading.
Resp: 4:23
